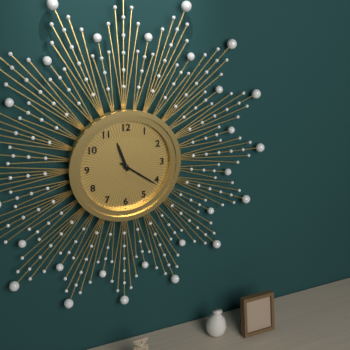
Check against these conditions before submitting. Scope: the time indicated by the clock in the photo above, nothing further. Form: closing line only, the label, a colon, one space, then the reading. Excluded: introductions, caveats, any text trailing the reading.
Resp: 11:21
